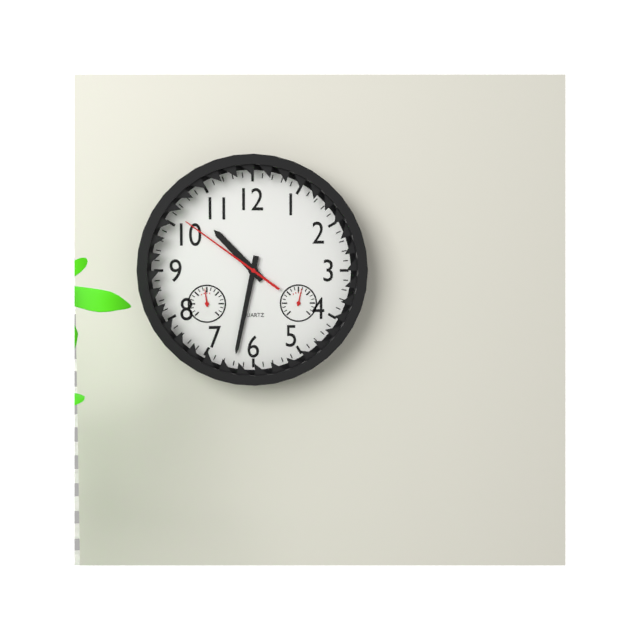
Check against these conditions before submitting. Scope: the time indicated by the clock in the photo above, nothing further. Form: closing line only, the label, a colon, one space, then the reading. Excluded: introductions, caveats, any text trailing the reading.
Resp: 10:32:51
